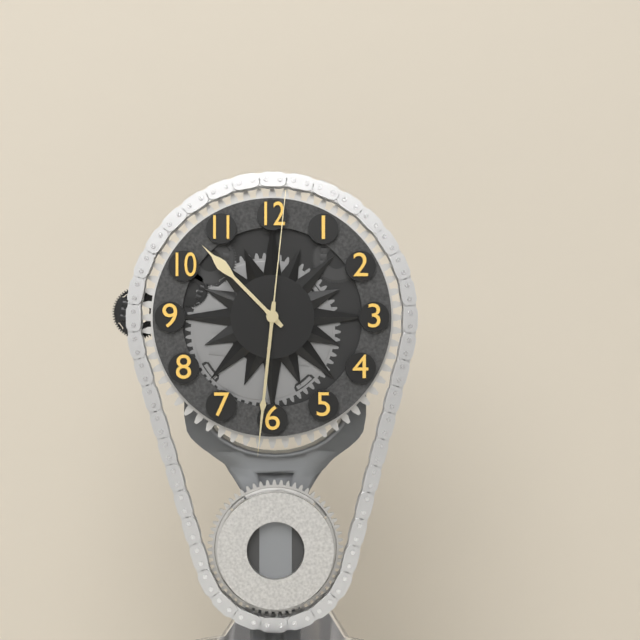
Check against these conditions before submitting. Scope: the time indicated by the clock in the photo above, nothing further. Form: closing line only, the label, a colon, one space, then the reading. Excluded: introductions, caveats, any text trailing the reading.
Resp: 10:31:01
